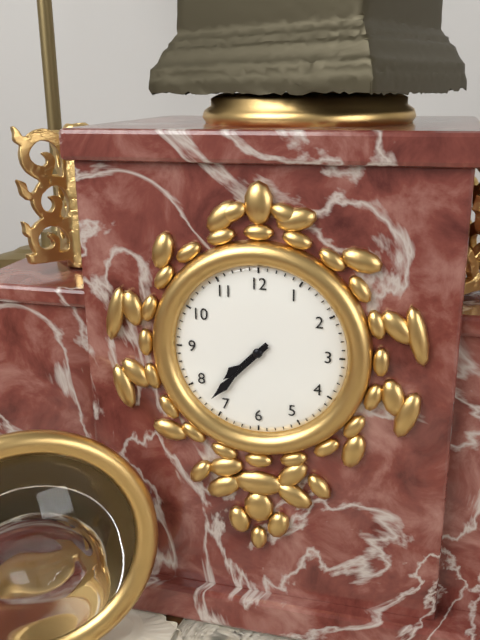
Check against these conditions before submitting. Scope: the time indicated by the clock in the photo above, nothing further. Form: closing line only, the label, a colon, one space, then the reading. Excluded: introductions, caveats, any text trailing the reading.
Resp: 7:37
